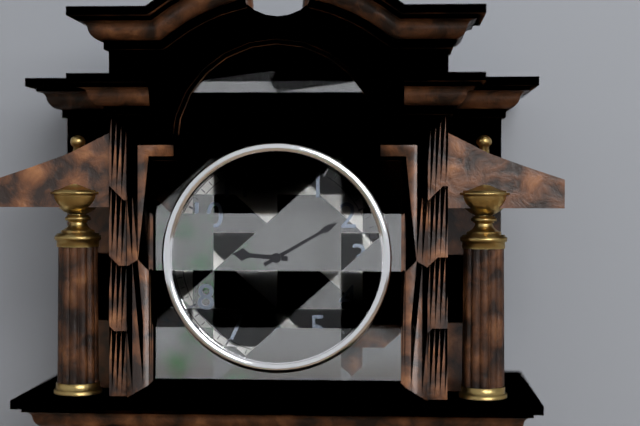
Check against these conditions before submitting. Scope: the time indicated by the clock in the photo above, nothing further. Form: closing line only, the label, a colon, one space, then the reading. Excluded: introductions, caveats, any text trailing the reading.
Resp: 9:10
